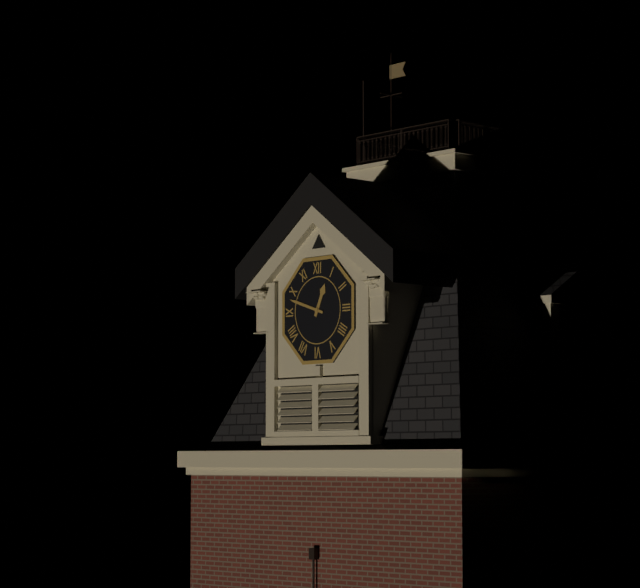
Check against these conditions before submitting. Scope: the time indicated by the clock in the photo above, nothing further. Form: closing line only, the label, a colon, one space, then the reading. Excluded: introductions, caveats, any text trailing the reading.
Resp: 12:48
